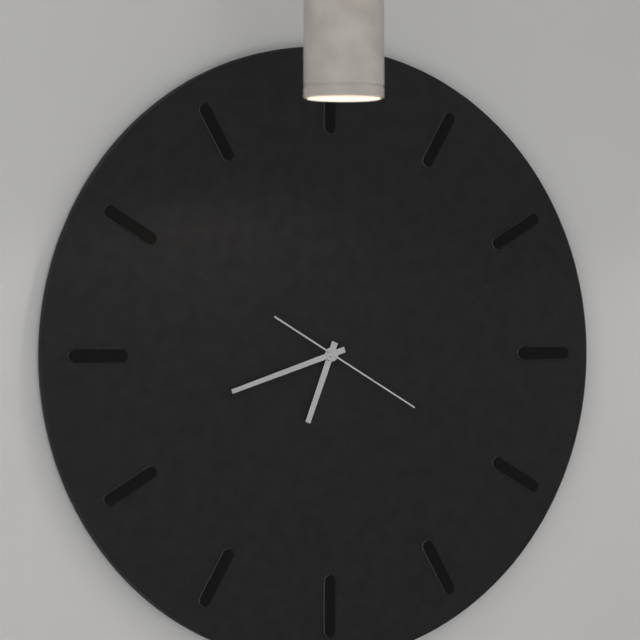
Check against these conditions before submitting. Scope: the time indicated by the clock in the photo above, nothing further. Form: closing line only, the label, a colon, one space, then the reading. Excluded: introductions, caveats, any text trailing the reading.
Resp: 6:42:20
